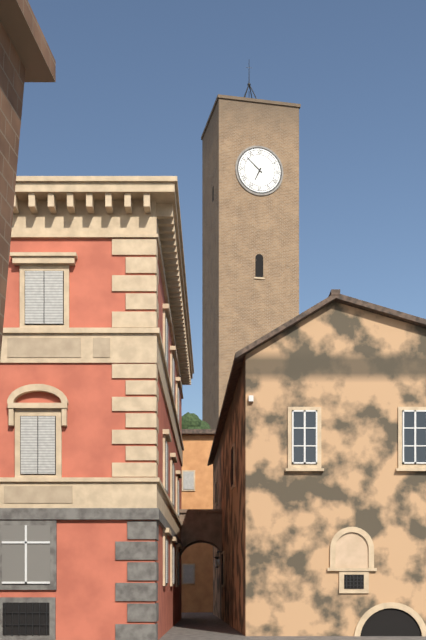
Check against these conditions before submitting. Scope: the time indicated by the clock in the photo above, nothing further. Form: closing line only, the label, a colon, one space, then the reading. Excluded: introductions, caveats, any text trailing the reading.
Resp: 6:52
